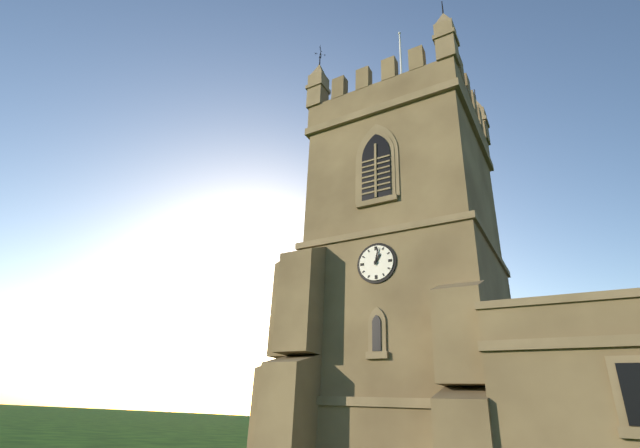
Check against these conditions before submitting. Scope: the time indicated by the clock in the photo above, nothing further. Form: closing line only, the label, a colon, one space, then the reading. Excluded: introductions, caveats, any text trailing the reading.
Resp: 1:02
